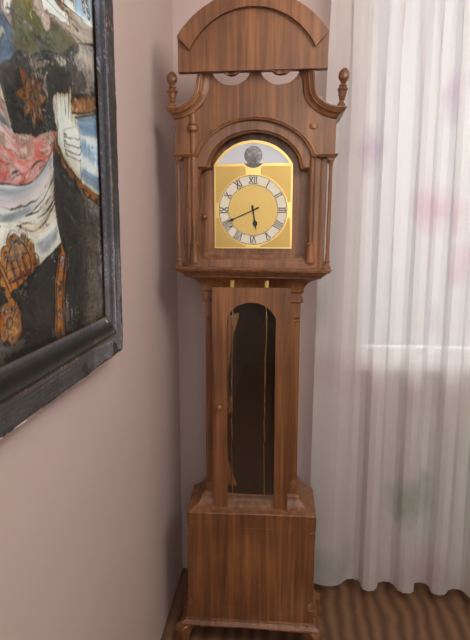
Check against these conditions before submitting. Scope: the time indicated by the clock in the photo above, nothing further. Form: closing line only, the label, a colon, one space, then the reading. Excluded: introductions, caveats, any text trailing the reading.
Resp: 5:41
